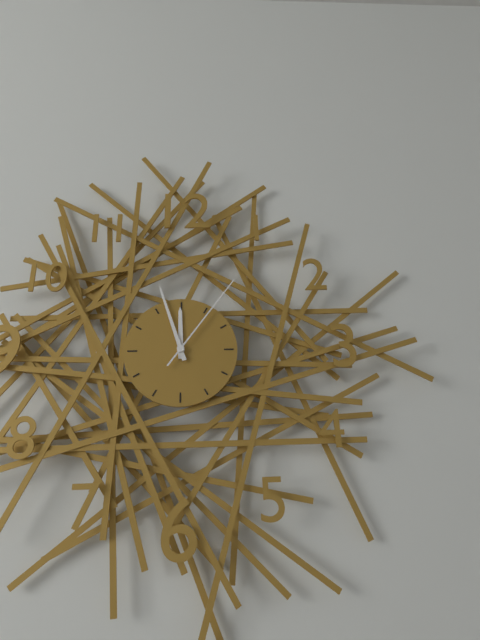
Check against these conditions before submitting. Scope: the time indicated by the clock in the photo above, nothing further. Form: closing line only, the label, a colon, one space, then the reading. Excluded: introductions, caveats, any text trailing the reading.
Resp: 11:57:06
